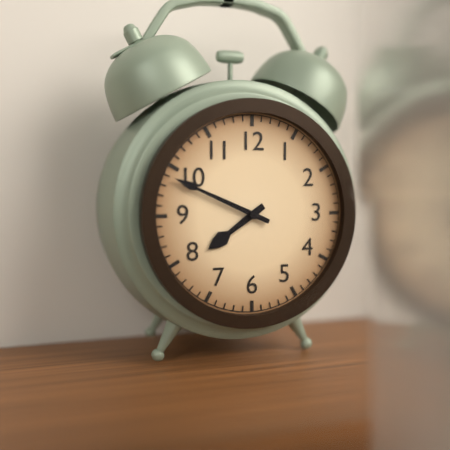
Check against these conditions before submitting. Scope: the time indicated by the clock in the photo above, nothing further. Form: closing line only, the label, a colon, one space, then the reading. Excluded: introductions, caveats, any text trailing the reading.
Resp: 7:49
